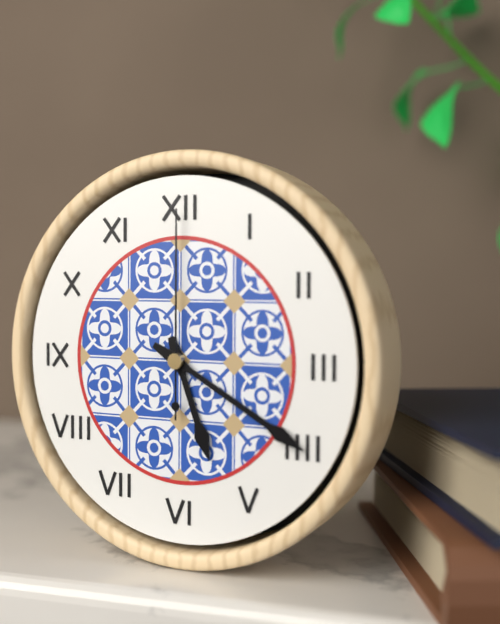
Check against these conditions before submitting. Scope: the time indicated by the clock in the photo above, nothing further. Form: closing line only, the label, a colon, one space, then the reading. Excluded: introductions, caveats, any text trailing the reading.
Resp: 5:20:00
